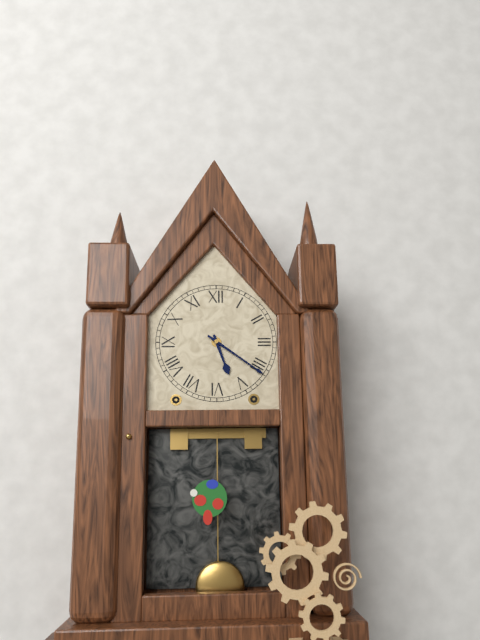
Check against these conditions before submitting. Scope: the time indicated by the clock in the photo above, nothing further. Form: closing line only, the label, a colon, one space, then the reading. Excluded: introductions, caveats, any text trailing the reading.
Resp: 5:21
